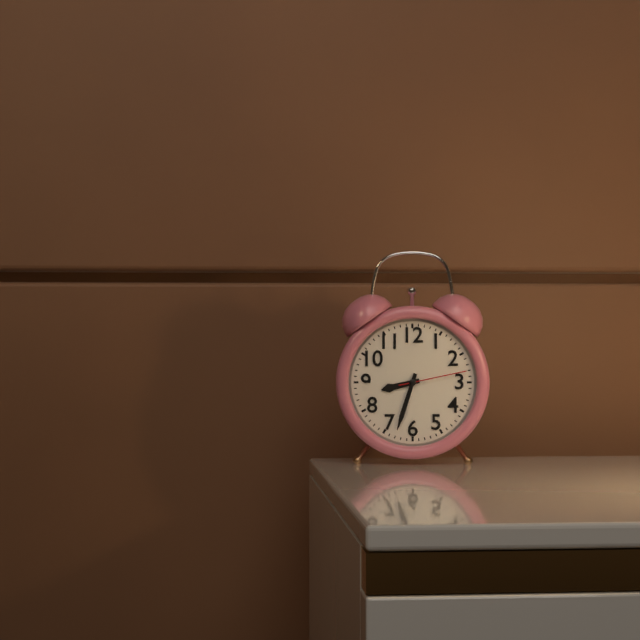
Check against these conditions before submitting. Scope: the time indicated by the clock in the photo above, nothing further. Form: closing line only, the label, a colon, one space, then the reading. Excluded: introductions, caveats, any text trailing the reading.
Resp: 8:33:13
